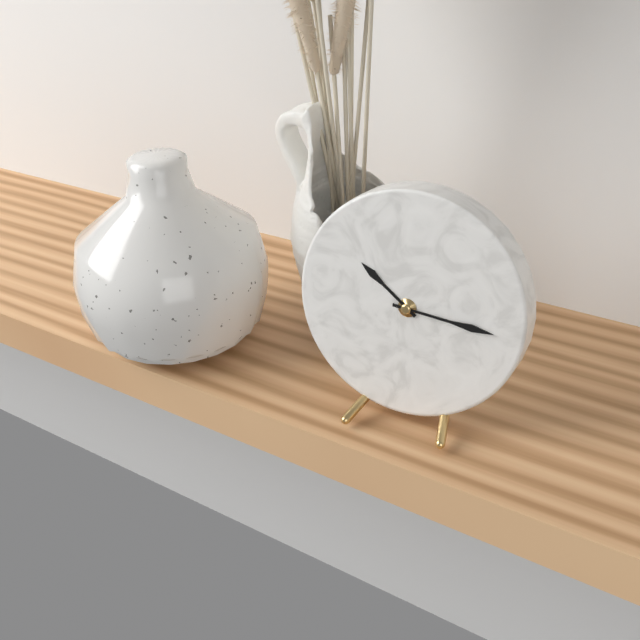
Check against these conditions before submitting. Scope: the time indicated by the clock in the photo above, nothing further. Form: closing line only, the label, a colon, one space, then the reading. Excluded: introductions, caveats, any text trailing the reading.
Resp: 10:16
